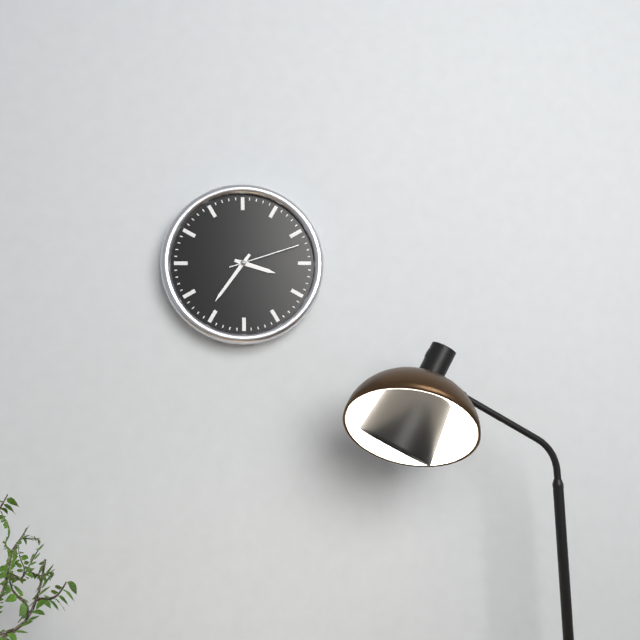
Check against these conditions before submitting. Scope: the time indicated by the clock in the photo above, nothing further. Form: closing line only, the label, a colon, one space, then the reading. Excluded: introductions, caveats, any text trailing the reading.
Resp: 3:36:12
